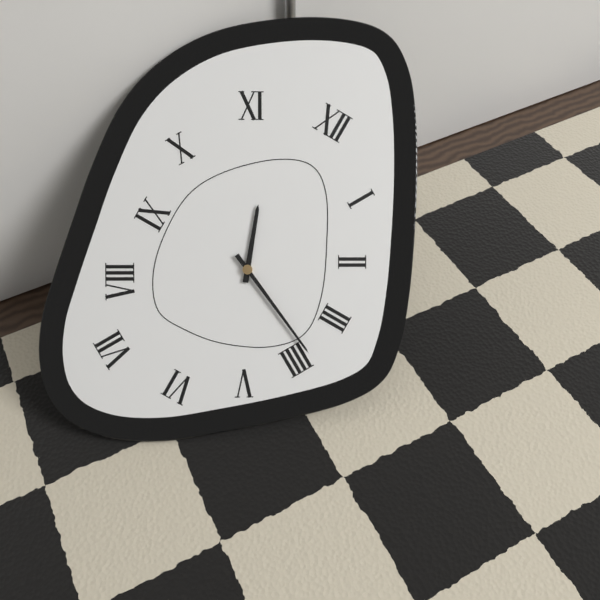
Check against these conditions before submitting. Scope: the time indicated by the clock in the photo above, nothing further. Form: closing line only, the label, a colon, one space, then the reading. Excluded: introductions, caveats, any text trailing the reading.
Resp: 11:19
